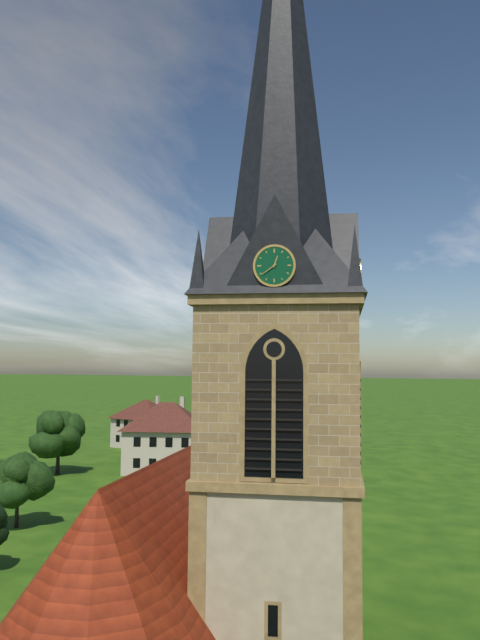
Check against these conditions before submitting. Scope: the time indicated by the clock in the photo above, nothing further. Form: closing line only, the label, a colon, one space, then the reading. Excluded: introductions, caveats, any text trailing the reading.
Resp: 12:39
